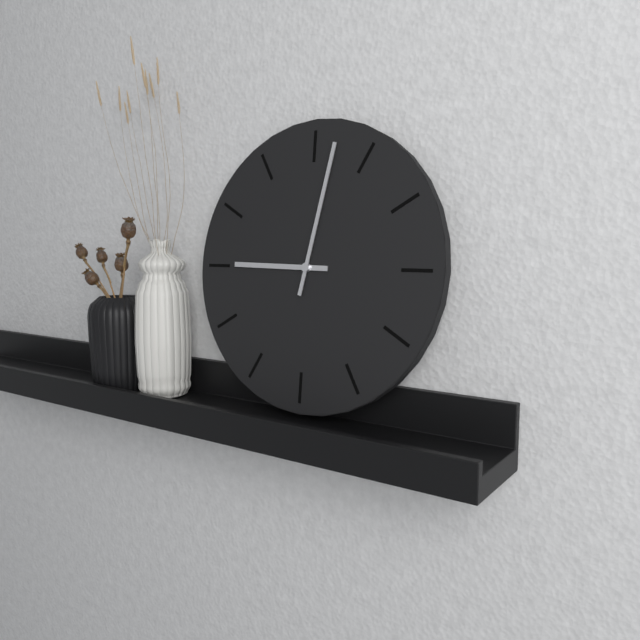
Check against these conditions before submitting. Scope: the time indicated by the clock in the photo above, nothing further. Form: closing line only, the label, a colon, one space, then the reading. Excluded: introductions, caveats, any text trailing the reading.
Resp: 9:02
